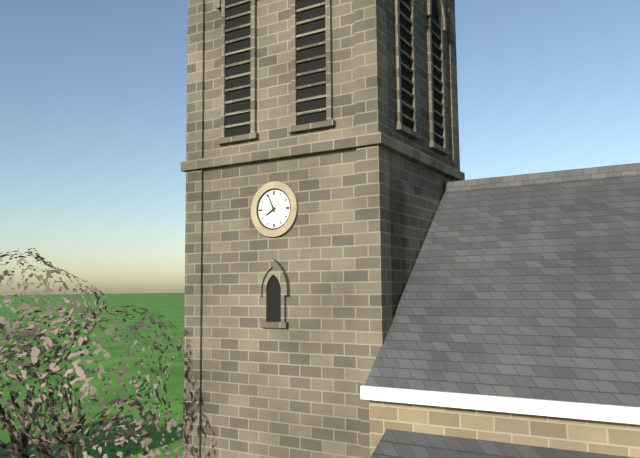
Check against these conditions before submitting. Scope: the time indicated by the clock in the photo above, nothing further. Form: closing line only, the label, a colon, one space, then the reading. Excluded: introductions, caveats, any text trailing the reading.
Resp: 7:56
